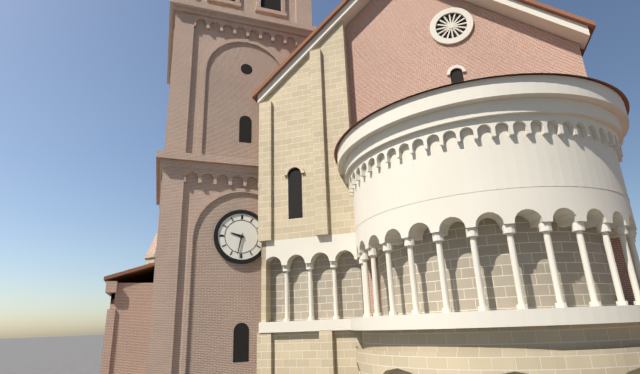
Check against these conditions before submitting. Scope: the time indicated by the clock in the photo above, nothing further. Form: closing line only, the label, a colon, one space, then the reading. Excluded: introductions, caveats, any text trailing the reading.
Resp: 9:32
